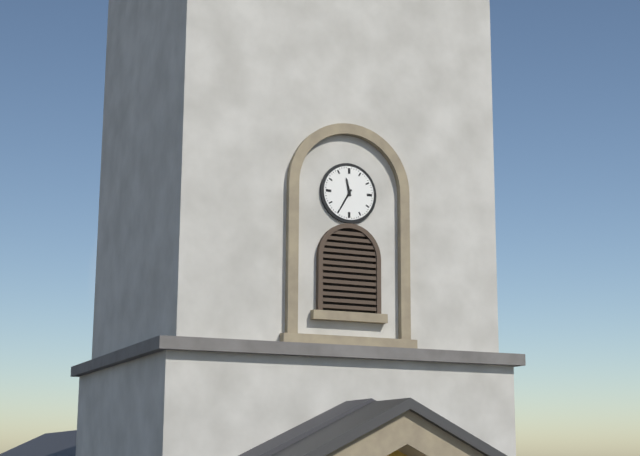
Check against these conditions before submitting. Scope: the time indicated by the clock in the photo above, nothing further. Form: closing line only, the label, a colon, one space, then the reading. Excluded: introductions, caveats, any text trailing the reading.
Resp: 11:35
